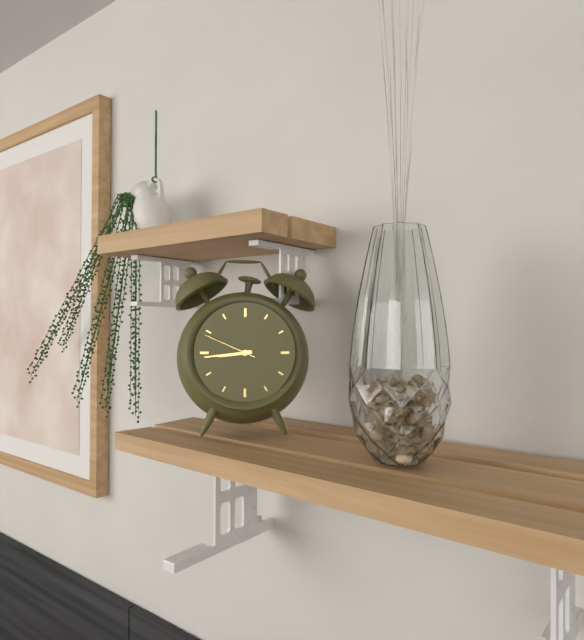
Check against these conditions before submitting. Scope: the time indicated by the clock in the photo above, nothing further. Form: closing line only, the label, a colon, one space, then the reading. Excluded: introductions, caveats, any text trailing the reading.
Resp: 8:44:49
